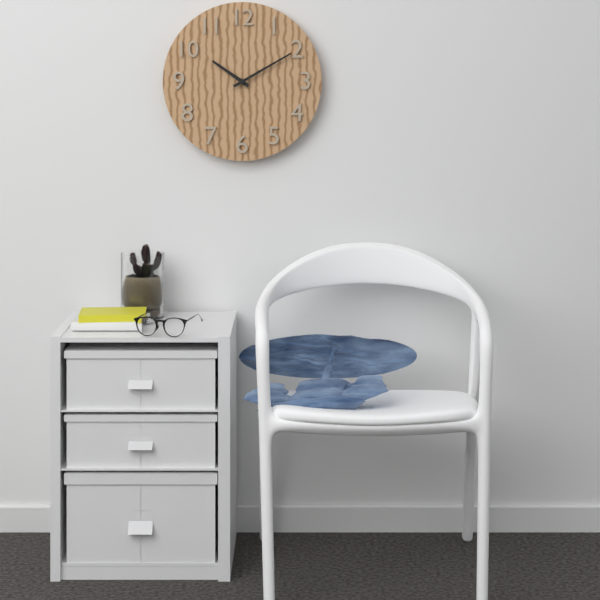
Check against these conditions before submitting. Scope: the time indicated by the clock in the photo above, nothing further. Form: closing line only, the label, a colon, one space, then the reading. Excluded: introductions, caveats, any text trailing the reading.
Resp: 10:10
